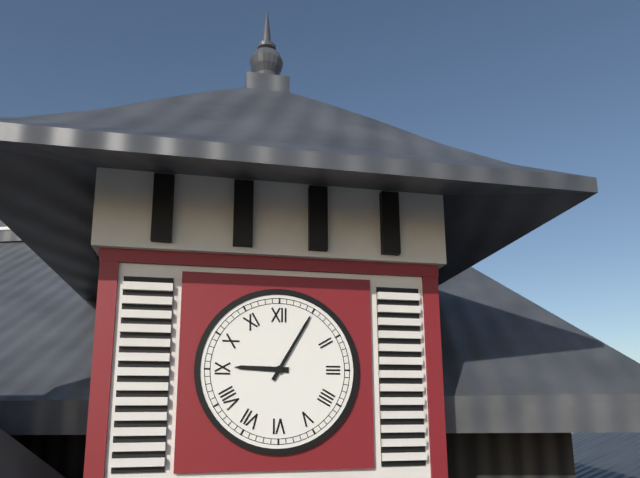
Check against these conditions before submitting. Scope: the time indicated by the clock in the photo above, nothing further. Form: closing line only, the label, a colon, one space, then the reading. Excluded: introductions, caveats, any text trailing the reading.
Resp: 9:05
